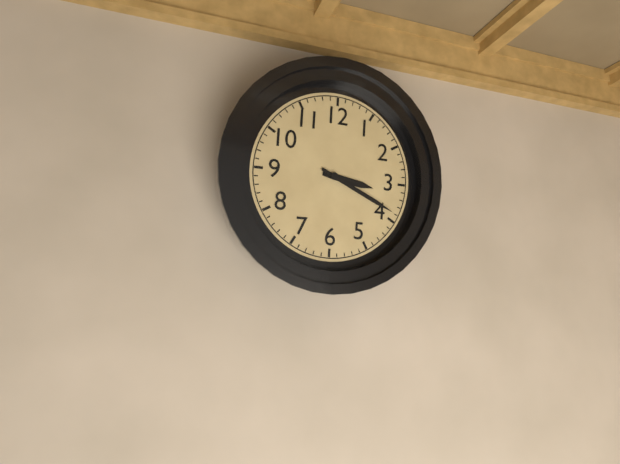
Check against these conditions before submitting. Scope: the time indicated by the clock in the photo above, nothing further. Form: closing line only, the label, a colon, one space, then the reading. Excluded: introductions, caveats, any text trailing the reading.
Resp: 3:19
